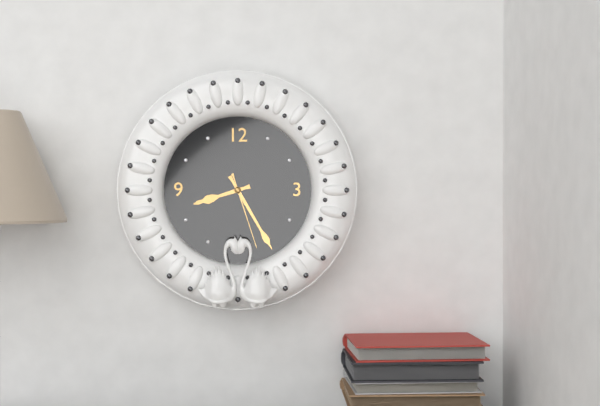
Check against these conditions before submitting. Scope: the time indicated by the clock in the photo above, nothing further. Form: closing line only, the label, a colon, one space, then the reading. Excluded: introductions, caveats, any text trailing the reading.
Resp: 8:25:27
